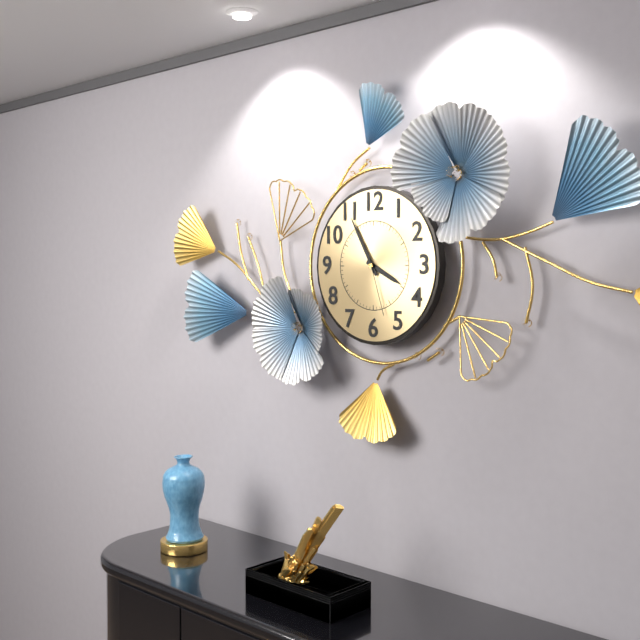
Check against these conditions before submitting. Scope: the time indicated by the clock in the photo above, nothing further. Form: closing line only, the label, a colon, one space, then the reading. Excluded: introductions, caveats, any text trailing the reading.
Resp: 3:55:27
